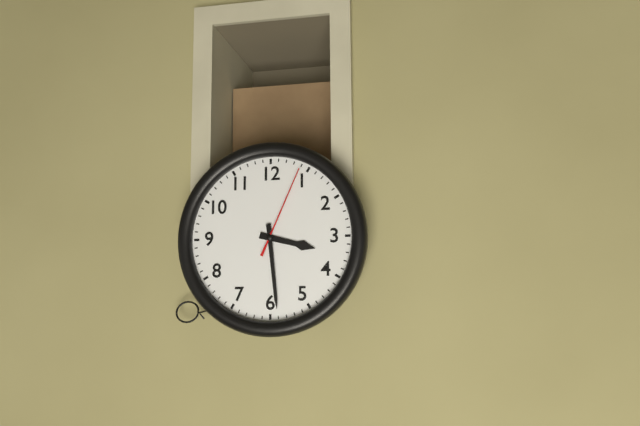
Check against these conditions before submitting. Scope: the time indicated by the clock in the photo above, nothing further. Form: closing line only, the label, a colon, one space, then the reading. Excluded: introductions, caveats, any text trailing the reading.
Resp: 3:29:04
